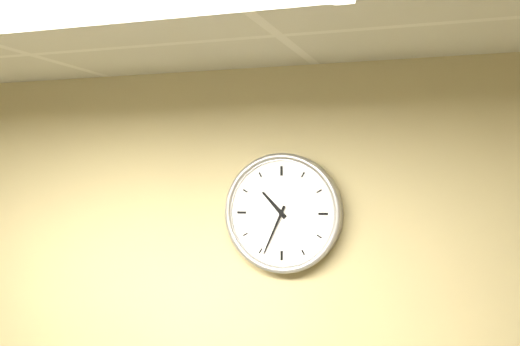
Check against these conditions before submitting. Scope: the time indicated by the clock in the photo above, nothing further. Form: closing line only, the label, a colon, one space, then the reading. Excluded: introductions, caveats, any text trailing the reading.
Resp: 10:34
